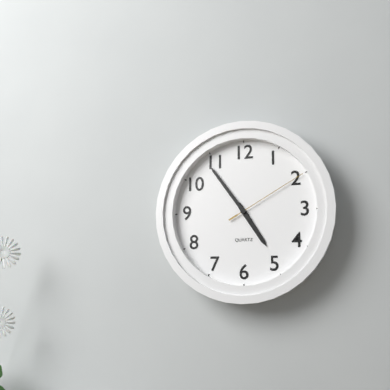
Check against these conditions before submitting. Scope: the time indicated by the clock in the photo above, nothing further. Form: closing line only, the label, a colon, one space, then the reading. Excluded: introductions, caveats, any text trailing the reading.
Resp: 4:54:10
